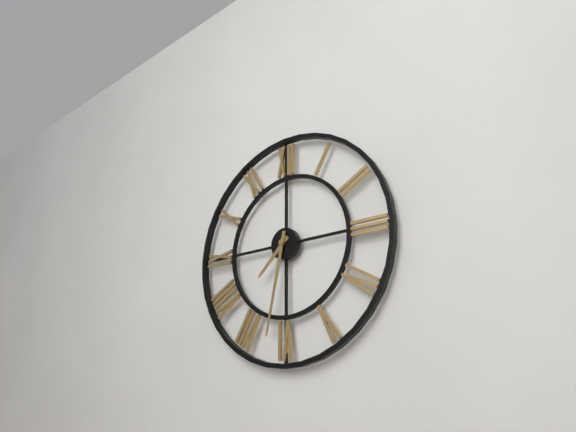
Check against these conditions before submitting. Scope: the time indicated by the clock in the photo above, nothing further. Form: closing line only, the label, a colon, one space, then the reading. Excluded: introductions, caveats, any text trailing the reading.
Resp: 7:32
